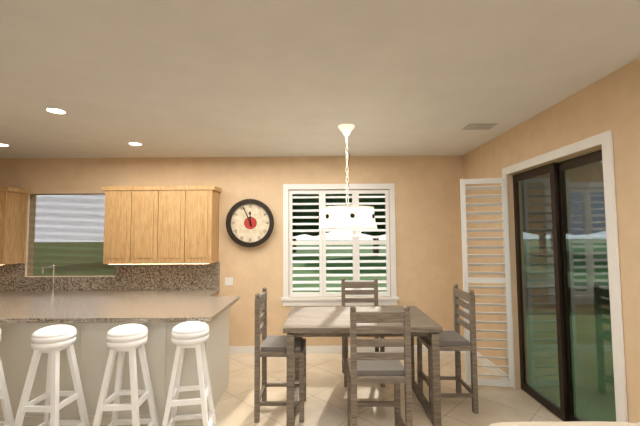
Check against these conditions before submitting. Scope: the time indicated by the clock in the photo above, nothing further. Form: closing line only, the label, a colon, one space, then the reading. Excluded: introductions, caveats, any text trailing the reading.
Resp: 11:56
